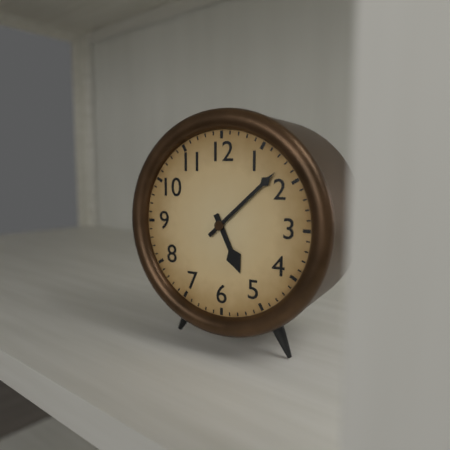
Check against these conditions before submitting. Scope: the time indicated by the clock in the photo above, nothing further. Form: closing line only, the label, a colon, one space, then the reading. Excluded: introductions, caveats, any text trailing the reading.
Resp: 5:08
